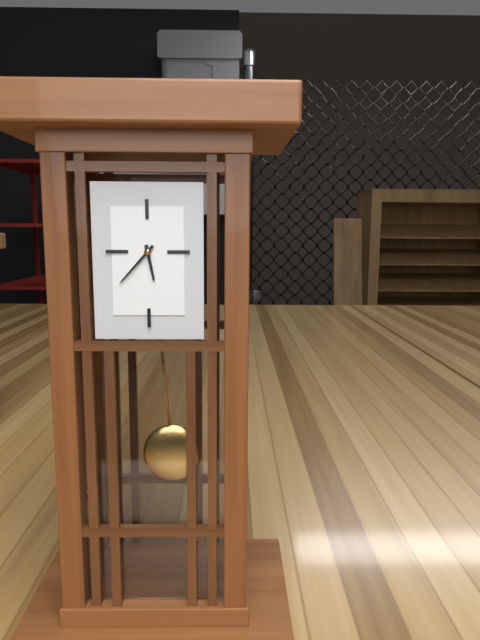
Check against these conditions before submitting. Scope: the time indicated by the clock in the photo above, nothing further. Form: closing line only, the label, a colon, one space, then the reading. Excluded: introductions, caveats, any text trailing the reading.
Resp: 5:37
